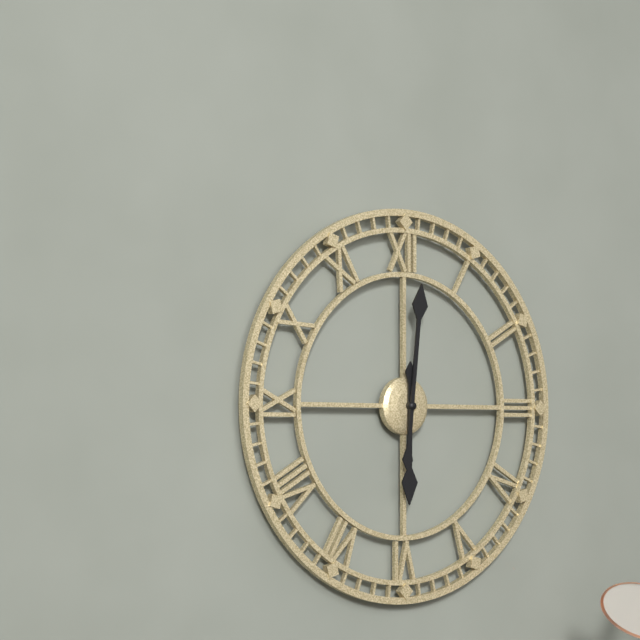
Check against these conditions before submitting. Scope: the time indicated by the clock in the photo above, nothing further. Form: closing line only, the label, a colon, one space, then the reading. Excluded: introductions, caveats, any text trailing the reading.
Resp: 6:01
